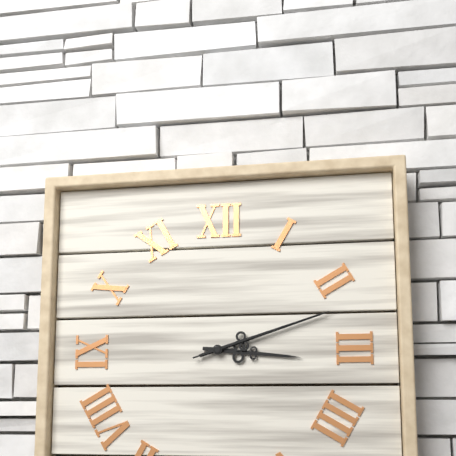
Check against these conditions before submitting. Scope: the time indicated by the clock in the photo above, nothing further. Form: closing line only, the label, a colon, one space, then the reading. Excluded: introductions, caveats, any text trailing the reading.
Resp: 3:12:12
